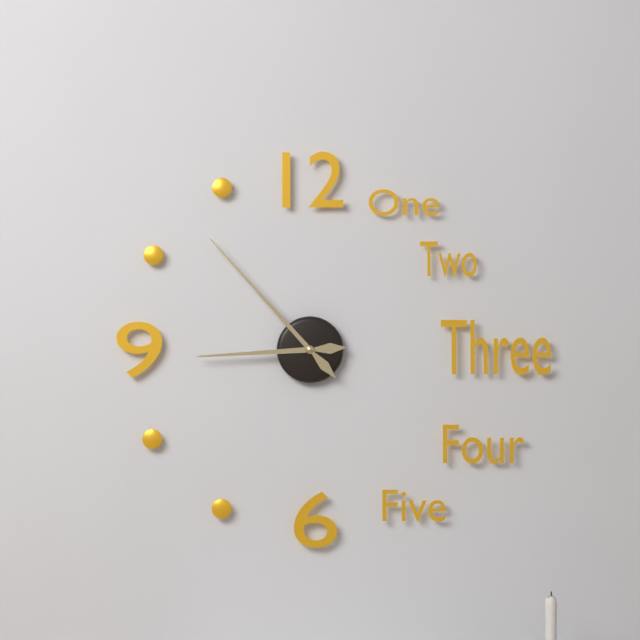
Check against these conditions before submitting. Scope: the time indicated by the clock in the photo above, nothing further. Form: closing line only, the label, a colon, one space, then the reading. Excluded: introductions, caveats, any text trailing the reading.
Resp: 8:53
